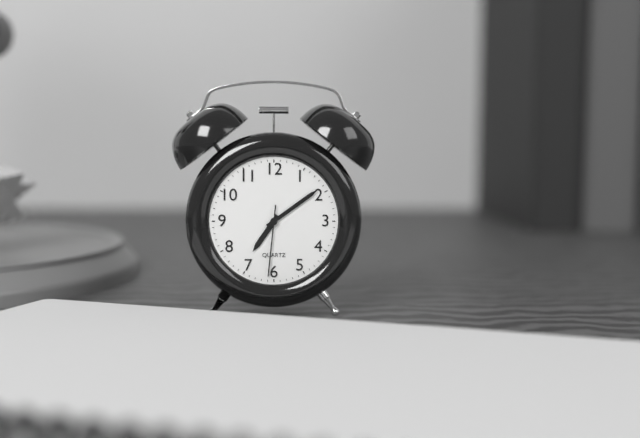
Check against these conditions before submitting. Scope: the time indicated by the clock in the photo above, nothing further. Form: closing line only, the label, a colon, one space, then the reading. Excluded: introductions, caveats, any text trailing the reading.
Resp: 7:09:31
